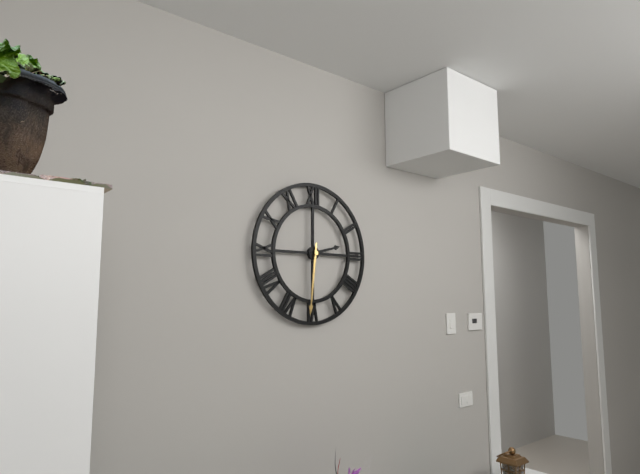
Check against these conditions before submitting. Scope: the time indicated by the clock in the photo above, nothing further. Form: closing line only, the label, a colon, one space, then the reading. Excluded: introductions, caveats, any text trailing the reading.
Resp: 2:31
